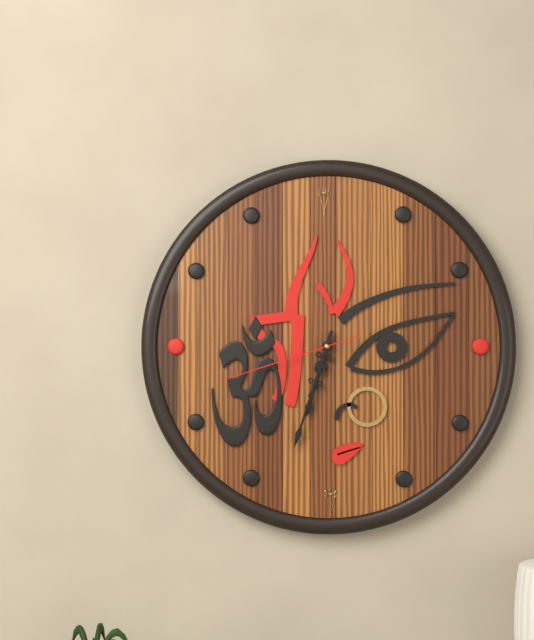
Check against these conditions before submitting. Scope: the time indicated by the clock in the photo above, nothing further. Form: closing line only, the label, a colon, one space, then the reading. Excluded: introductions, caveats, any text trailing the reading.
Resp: 6:33:42
